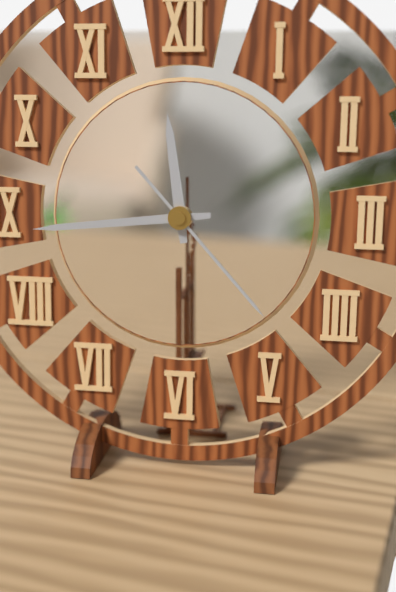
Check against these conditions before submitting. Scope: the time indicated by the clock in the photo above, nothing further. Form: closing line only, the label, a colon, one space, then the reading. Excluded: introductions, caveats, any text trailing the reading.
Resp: 11:44:23
